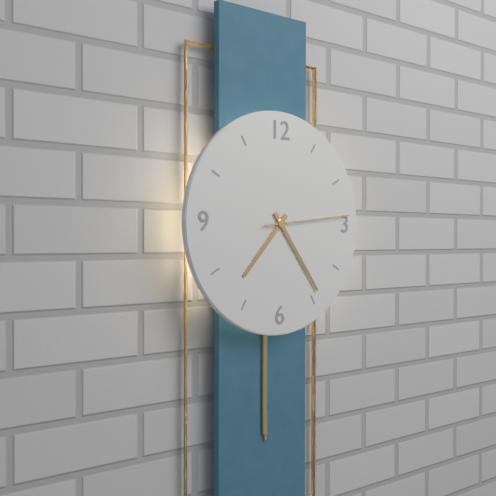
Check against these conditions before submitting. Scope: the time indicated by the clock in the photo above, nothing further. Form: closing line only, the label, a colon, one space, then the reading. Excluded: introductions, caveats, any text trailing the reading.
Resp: 7:24:14
